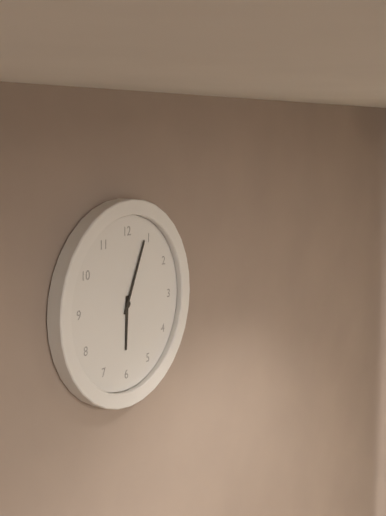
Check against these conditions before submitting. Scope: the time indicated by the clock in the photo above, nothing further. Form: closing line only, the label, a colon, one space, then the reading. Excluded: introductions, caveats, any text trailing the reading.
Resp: 6:04
